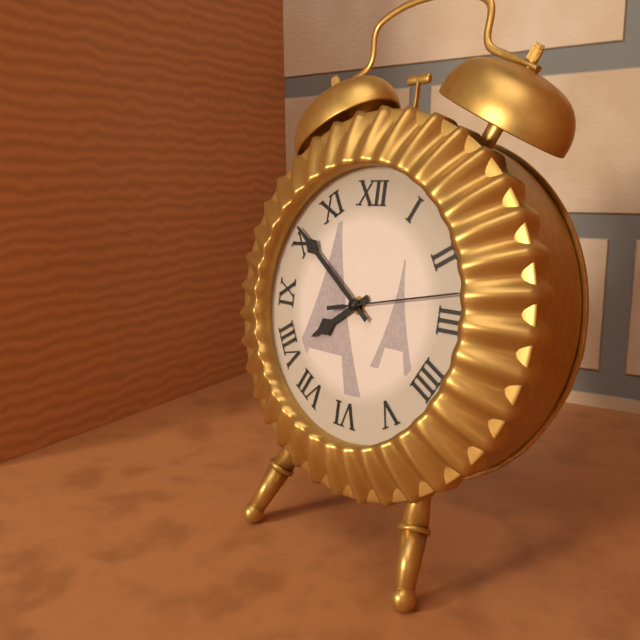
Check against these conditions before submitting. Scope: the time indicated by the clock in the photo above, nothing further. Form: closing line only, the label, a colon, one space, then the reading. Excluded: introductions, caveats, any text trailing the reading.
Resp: 7:51:13
